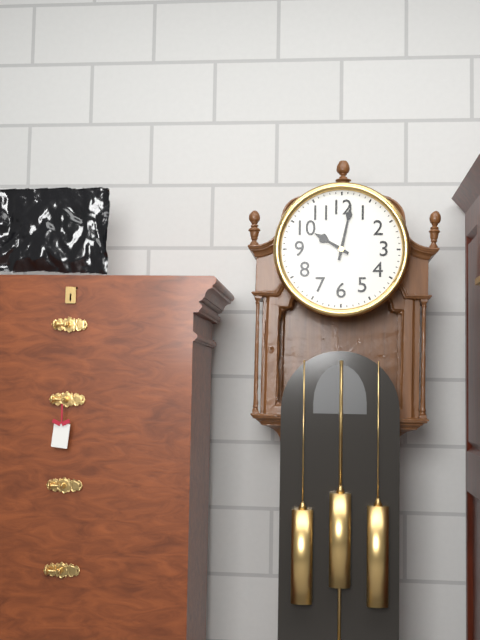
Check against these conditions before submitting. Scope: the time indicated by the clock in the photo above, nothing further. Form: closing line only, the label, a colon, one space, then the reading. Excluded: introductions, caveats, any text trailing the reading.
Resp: 10:02
